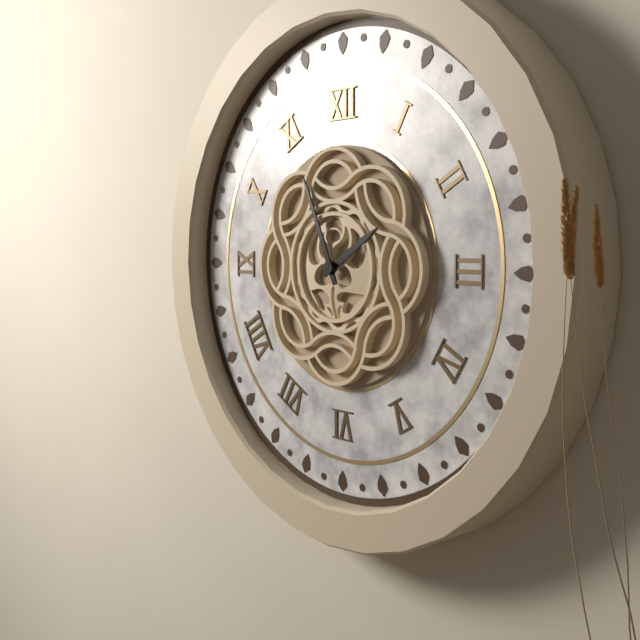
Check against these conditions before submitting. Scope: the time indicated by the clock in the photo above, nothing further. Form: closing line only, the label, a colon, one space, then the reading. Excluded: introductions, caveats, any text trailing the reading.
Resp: 1:56
